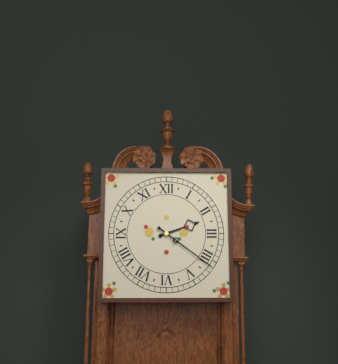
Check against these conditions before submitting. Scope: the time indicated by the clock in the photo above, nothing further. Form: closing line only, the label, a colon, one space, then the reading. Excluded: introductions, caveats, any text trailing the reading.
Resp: 2:21
